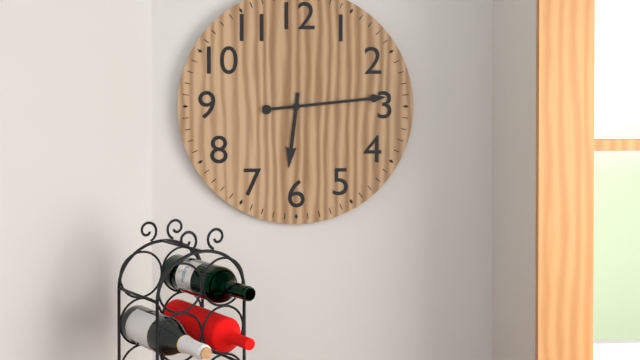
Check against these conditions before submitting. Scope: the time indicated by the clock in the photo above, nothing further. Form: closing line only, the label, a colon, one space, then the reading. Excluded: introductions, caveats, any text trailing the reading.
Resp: 6:14
